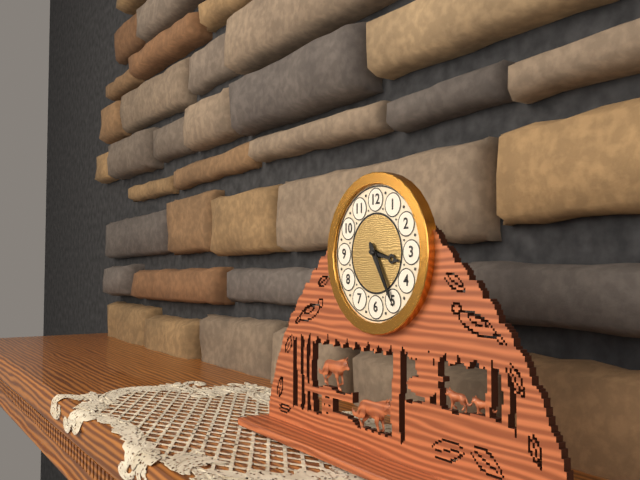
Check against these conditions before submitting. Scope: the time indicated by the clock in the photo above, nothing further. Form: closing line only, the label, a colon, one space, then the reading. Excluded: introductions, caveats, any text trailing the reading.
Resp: 3:25
